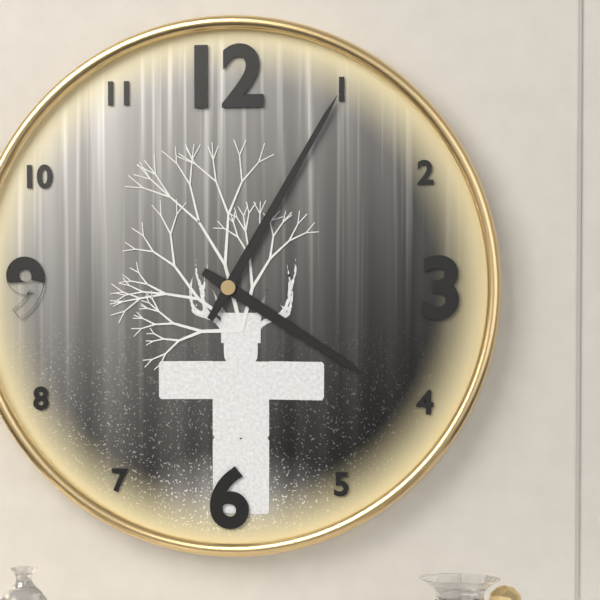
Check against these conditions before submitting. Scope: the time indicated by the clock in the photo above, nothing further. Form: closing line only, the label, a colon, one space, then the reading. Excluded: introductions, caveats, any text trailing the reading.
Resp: 4:05
